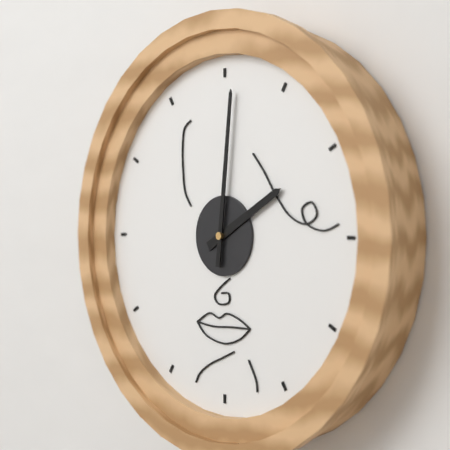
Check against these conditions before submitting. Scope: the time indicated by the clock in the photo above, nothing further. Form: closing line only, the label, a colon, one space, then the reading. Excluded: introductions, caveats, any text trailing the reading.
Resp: 2:01
